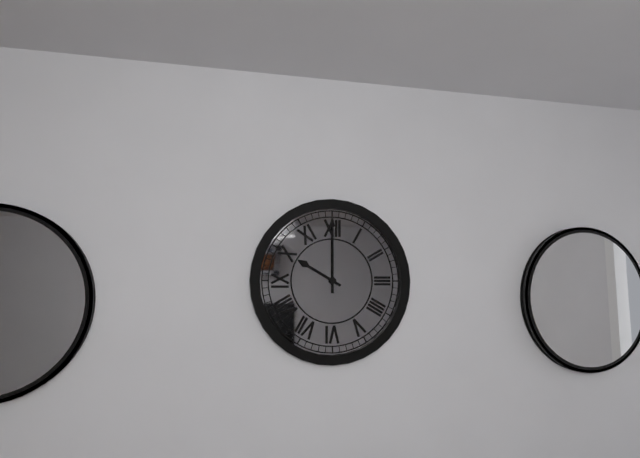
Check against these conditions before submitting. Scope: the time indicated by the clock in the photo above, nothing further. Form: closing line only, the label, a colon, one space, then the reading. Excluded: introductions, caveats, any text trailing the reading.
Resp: 10:00
